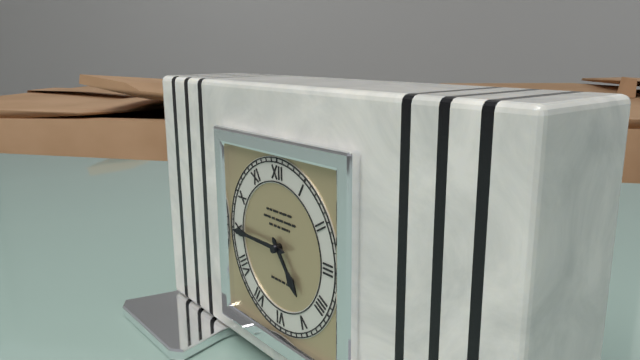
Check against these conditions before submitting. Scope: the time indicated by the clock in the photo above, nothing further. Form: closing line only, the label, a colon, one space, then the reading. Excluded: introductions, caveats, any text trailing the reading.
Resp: 4:45
